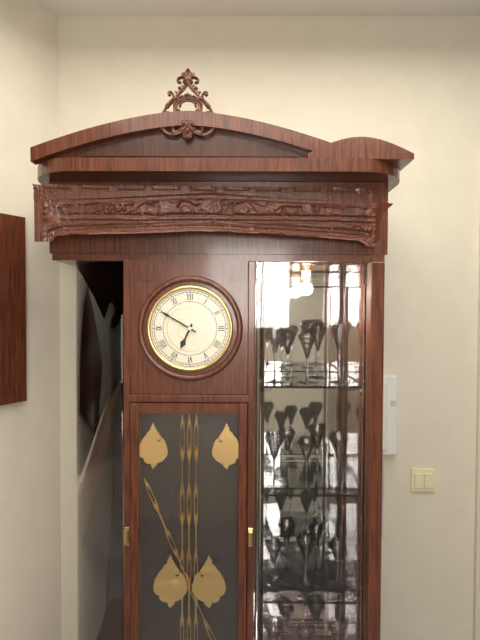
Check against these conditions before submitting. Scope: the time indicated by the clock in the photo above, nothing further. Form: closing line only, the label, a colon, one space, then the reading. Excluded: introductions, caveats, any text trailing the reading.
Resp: 6:50
